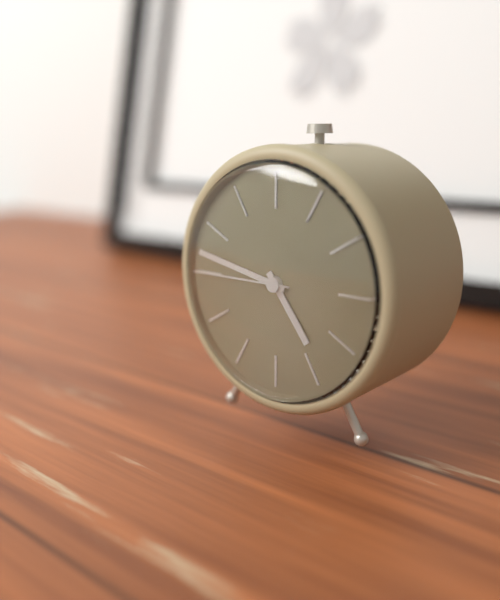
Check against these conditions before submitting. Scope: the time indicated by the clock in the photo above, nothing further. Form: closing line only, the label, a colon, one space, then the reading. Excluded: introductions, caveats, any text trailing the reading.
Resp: 4:47:45
